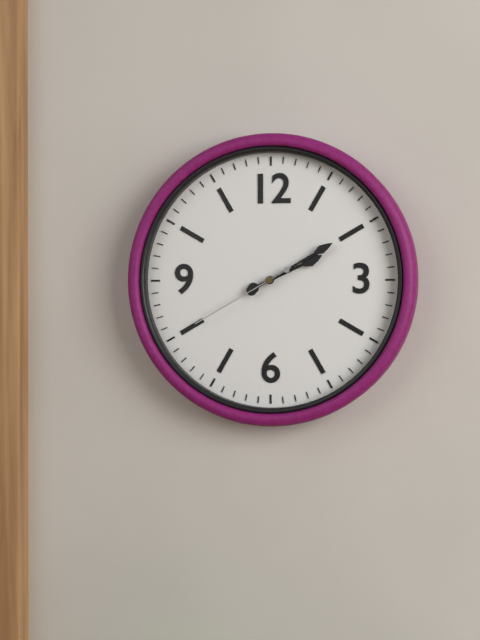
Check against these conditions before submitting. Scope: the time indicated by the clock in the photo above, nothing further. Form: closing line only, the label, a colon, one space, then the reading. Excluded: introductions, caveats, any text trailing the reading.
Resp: 2:10:40
